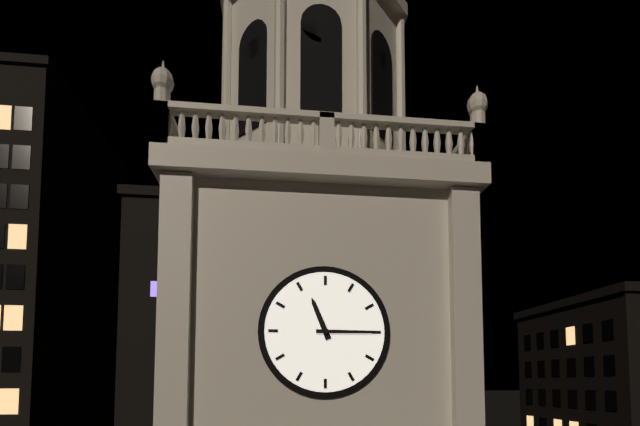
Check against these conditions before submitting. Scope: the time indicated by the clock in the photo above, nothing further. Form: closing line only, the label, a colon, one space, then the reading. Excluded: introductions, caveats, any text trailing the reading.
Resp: 11:15
